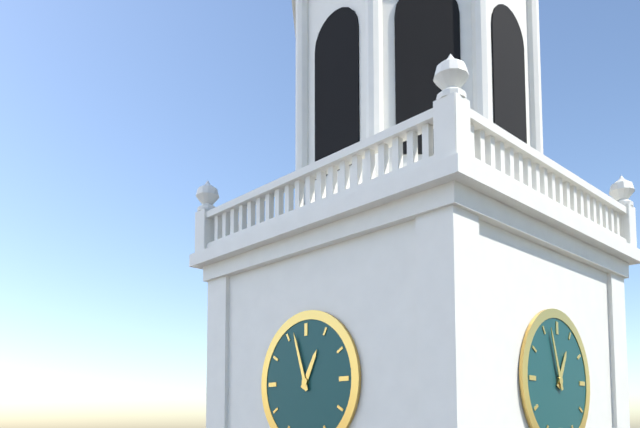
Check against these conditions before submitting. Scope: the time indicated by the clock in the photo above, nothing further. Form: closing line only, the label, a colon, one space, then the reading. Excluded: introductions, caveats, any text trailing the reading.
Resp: 12:57
